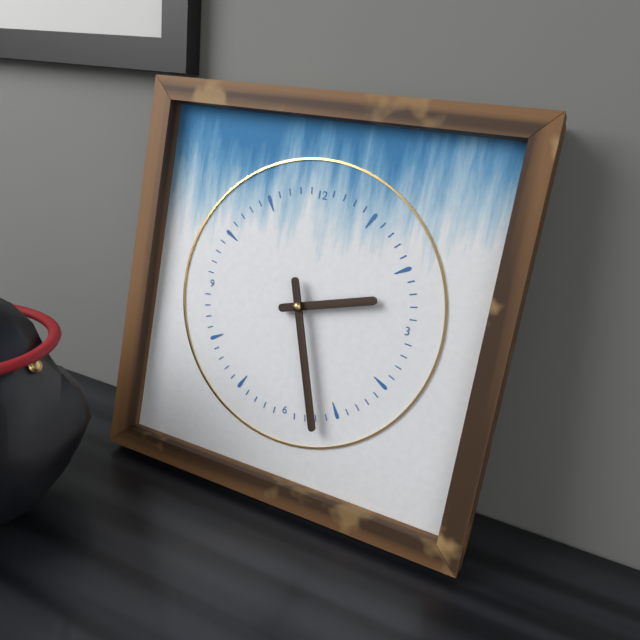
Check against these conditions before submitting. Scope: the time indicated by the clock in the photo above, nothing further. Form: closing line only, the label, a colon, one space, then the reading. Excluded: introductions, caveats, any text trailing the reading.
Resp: 2:27
